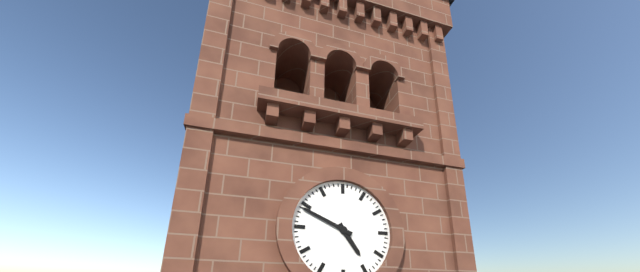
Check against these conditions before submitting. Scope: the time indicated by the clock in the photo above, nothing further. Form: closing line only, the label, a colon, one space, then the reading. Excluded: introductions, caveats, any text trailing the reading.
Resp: 4:49
